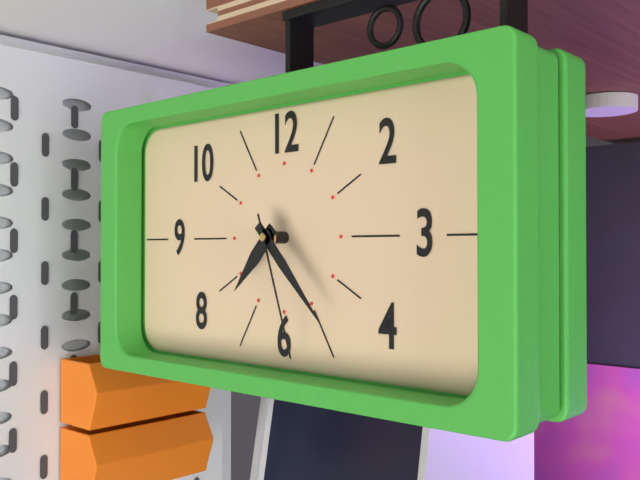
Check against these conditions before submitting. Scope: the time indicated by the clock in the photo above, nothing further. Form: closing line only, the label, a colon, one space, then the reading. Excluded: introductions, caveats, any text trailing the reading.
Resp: 7:23:27
